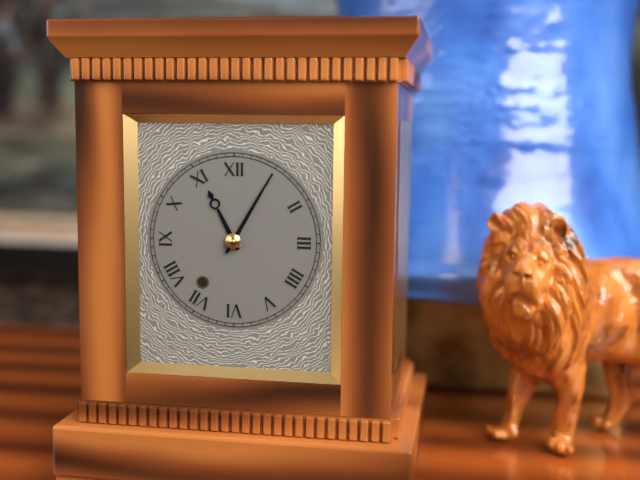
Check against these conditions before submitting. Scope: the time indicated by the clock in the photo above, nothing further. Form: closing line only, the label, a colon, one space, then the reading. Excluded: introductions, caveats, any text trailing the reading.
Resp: 11:05
